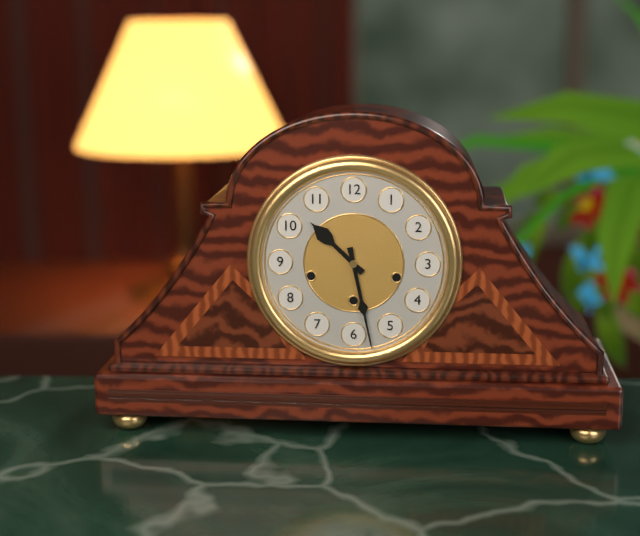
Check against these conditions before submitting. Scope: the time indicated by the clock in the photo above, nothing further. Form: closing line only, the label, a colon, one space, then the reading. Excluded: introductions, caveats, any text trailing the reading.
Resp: 10:28
